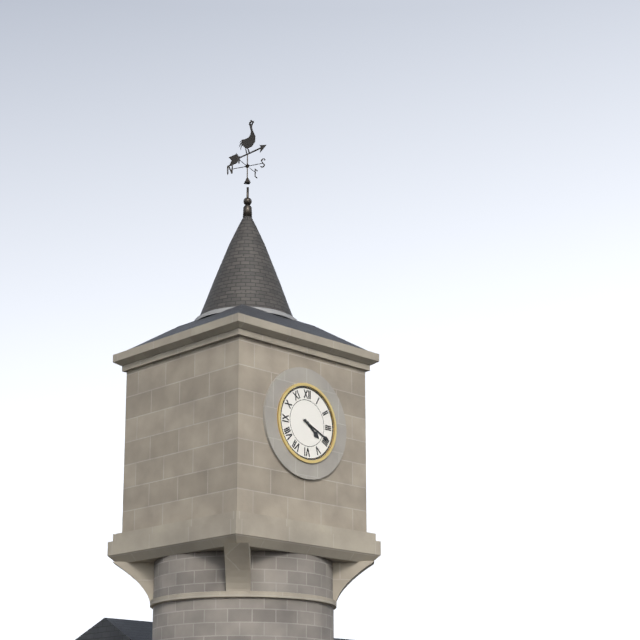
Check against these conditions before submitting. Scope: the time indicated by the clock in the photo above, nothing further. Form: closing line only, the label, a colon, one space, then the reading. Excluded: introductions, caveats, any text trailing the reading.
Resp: 4:19
